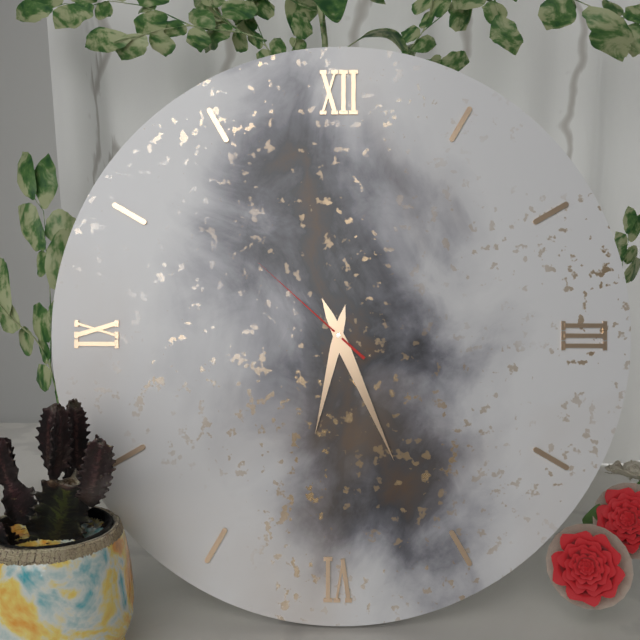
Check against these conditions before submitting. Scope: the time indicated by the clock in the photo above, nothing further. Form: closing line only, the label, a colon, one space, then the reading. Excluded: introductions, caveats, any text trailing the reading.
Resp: 6:26:52
